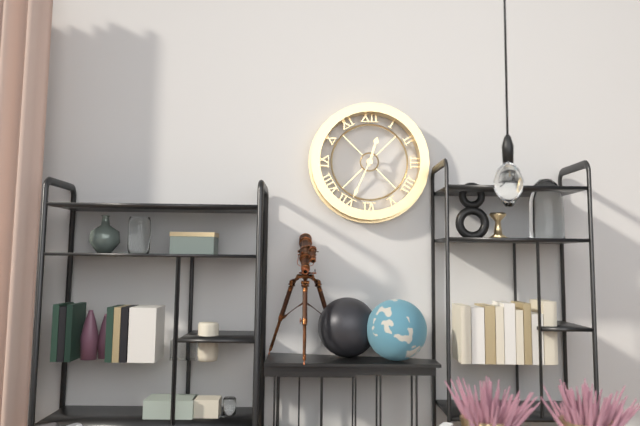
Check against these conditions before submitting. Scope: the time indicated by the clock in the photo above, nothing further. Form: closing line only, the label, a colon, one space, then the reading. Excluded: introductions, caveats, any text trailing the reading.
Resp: 12:34
